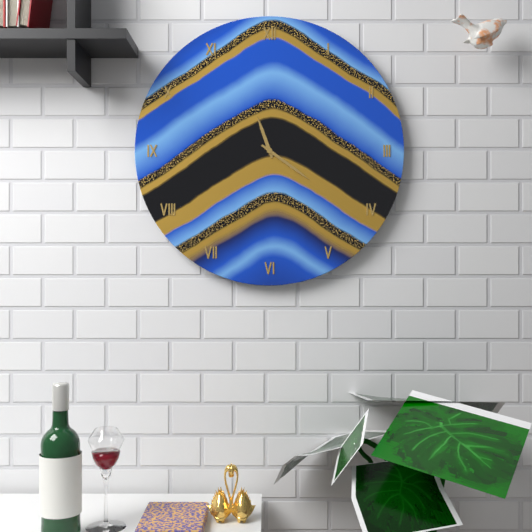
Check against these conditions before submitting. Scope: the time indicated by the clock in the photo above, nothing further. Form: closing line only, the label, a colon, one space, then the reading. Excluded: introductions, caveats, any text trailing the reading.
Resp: 11:21
